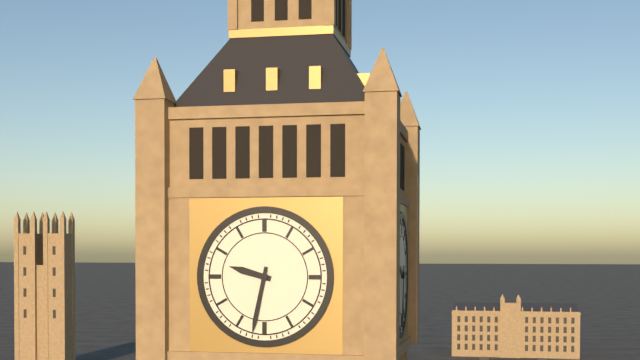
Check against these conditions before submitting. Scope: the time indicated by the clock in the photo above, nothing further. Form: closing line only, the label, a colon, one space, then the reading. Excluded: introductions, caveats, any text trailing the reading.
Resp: 9:32
